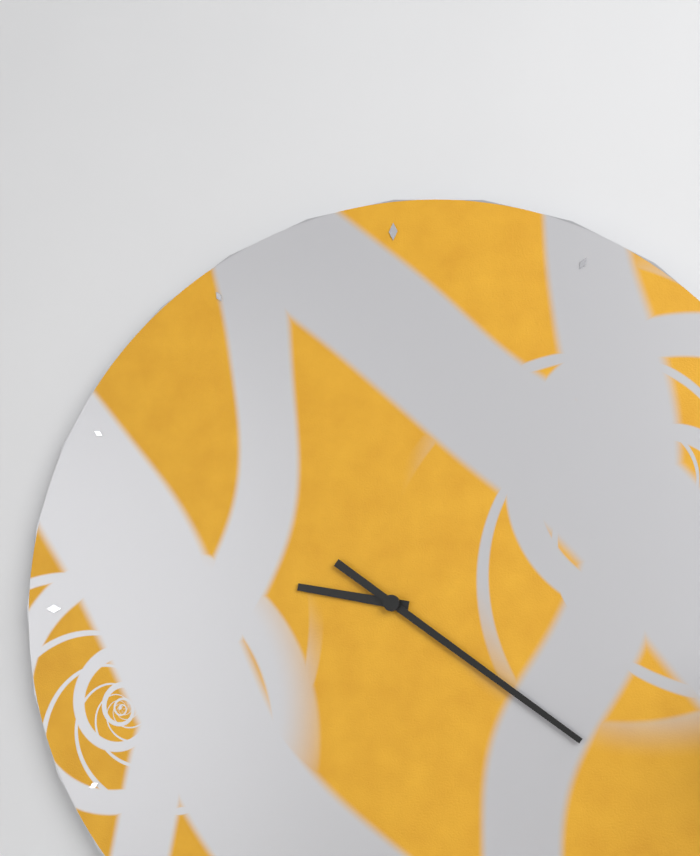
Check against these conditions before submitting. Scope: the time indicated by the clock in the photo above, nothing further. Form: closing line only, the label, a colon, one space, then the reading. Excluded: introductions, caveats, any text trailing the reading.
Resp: 9:21
